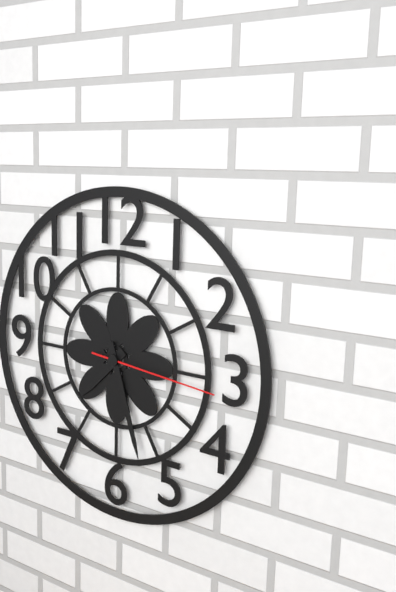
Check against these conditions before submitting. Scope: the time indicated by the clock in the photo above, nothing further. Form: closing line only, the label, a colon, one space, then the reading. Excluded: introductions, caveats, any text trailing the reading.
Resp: 7:27:16
